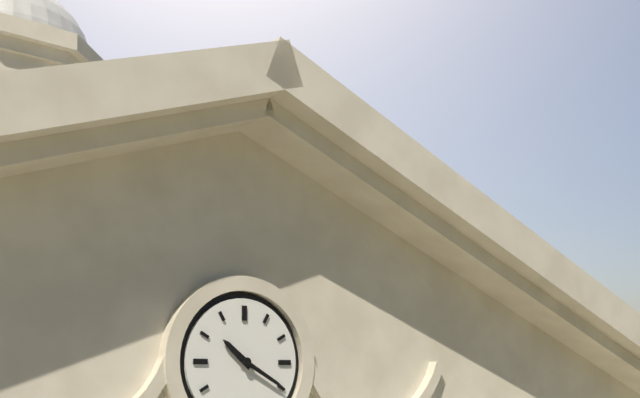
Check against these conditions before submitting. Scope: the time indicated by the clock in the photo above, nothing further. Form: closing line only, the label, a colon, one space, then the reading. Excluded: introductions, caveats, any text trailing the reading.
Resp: 10:20
